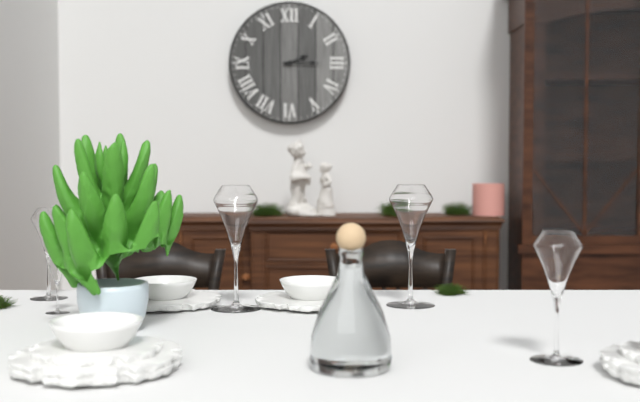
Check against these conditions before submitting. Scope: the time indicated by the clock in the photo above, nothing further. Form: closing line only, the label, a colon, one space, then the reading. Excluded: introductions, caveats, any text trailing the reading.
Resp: 2:15
